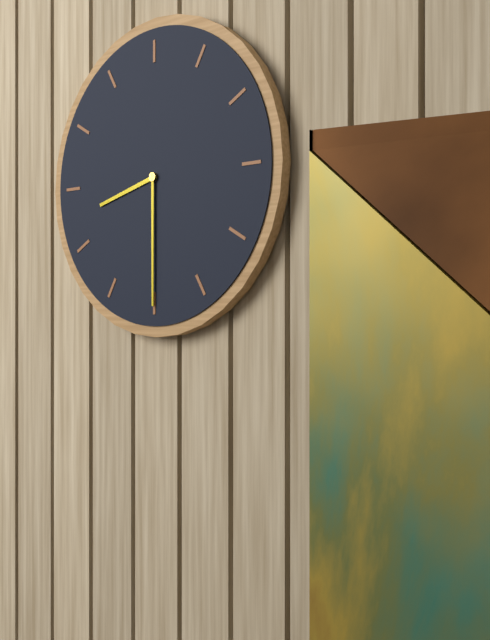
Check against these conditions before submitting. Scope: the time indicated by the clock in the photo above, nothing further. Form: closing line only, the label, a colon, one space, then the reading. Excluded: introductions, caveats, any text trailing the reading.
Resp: 8:30
